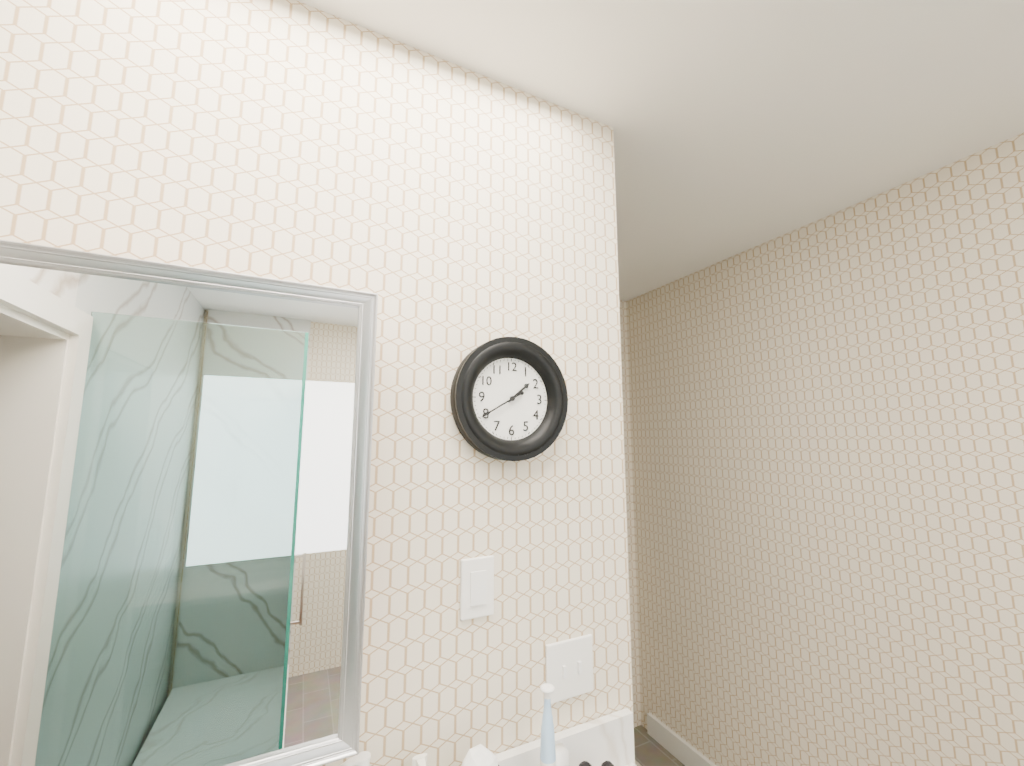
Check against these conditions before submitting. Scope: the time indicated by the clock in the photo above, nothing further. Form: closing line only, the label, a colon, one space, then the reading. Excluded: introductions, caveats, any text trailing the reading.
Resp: 1:40
